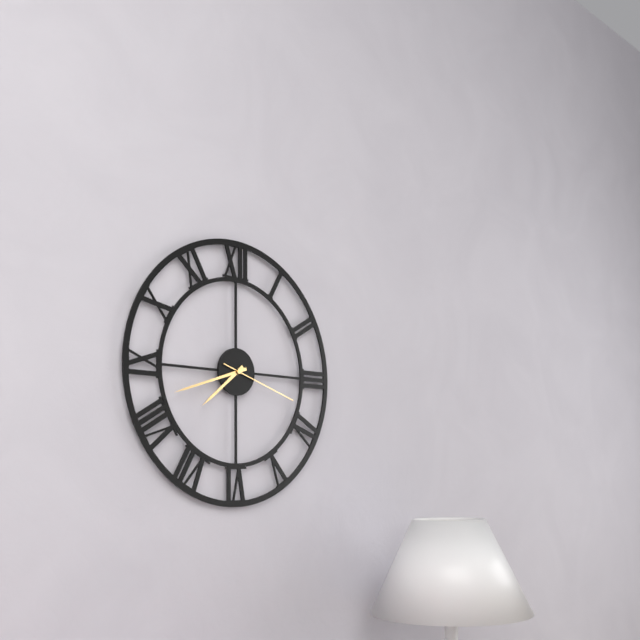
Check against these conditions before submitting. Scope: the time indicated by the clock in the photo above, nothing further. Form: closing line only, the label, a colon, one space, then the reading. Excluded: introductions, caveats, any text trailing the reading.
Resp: 7:42:18
